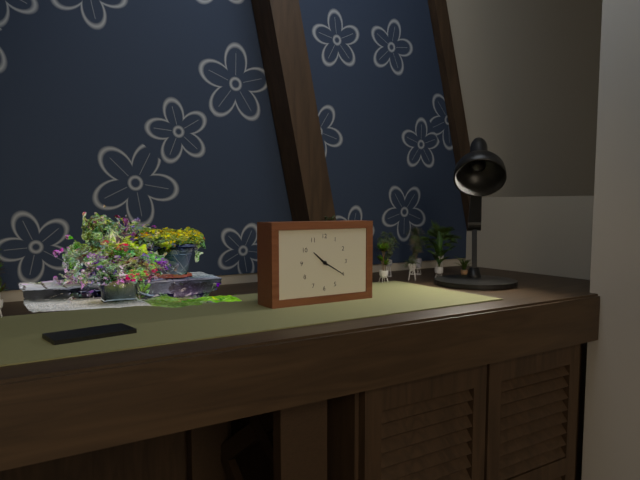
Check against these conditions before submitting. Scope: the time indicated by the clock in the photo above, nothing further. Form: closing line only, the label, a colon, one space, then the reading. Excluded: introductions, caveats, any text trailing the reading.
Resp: 10:20
